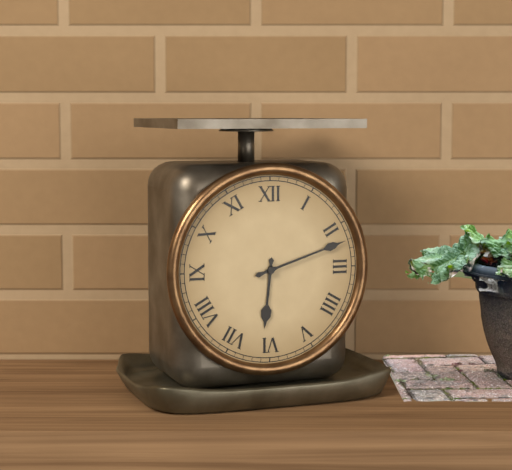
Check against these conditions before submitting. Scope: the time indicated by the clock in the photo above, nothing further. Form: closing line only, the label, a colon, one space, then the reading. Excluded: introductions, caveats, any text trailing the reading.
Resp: 6:12
